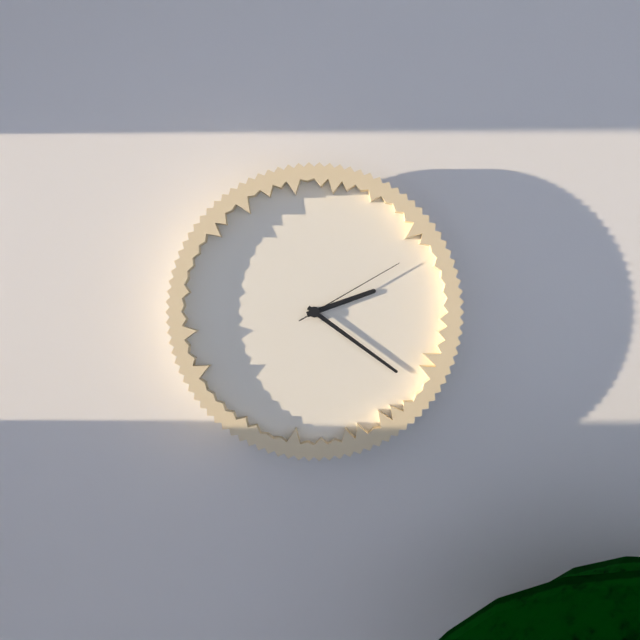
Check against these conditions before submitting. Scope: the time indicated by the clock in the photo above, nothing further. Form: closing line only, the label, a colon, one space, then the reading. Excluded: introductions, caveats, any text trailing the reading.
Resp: 2:21:10
